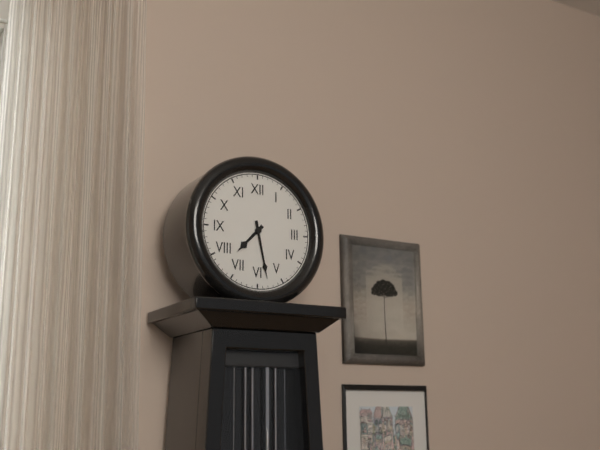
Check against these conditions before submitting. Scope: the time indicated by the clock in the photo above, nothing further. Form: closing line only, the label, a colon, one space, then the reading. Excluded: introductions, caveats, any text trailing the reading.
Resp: 7:28
